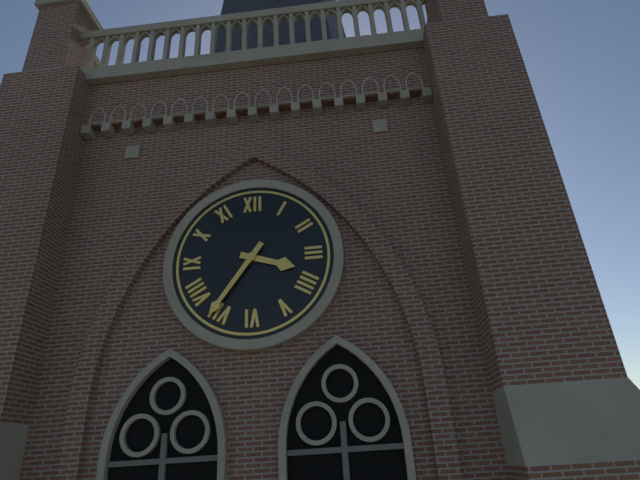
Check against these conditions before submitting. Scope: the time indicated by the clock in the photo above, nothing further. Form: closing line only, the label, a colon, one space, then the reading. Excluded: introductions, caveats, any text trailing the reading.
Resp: 3:36
